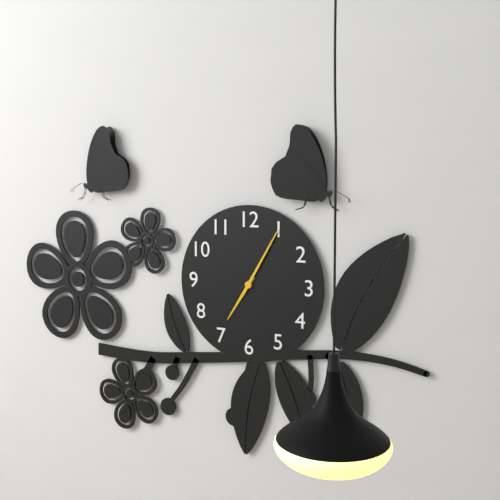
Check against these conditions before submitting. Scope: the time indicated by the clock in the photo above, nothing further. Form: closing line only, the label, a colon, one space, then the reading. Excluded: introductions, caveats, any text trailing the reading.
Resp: 7:05
